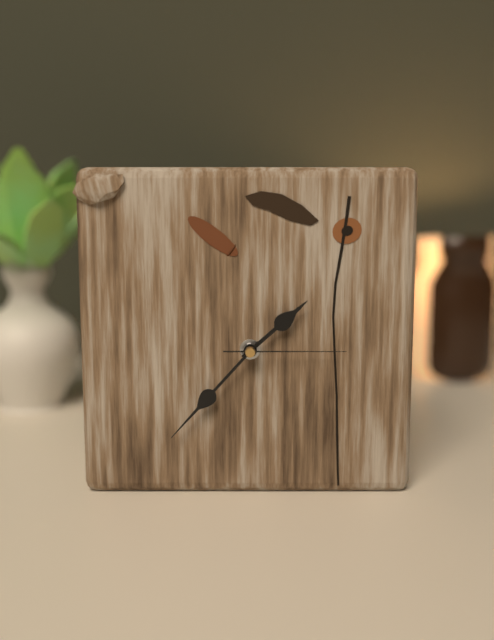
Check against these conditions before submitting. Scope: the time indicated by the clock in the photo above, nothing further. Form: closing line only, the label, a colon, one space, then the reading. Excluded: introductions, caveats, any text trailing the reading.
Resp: 1:37:15
